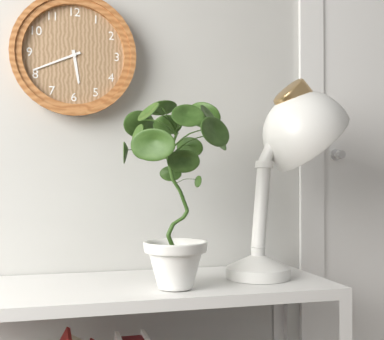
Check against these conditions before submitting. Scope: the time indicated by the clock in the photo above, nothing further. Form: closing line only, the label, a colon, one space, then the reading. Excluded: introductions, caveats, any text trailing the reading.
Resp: 5:41
